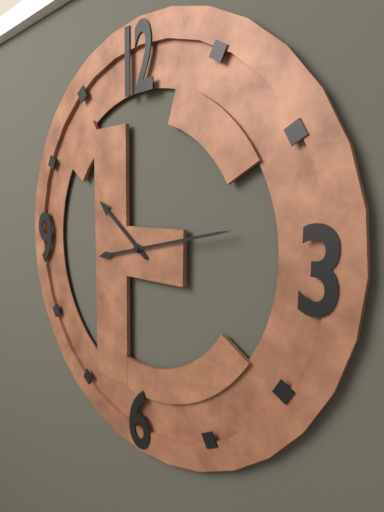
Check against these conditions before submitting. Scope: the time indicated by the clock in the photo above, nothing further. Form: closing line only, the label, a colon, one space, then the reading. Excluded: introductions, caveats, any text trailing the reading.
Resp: 10:13
